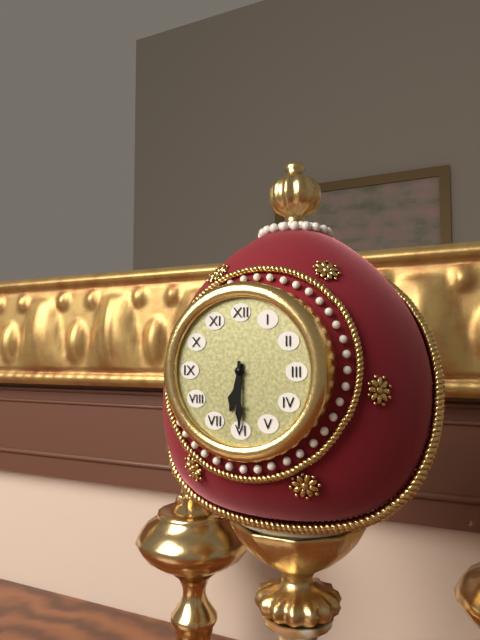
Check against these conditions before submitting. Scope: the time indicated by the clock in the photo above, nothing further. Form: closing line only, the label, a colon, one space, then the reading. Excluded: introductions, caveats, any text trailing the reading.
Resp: 6:30
